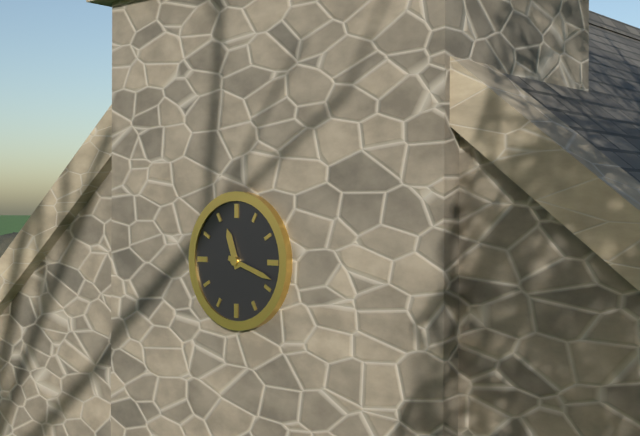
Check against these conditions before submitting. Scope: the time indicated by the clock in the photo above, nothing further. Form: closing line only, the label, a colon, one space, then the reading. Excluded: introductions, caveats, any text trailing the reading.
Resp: 11:18
